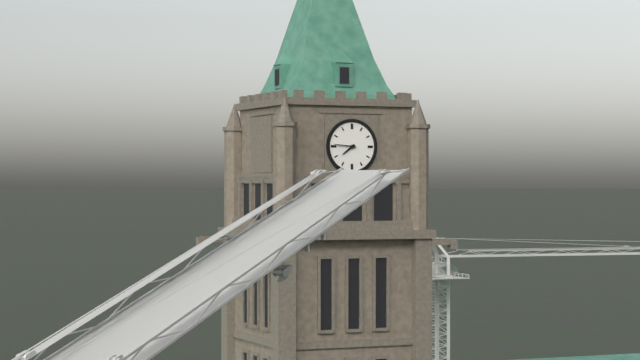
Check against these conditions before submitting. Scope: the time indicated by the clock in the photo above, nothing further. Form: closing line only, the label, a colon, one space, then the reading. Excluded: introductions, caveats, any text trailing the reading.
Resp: 7:46
